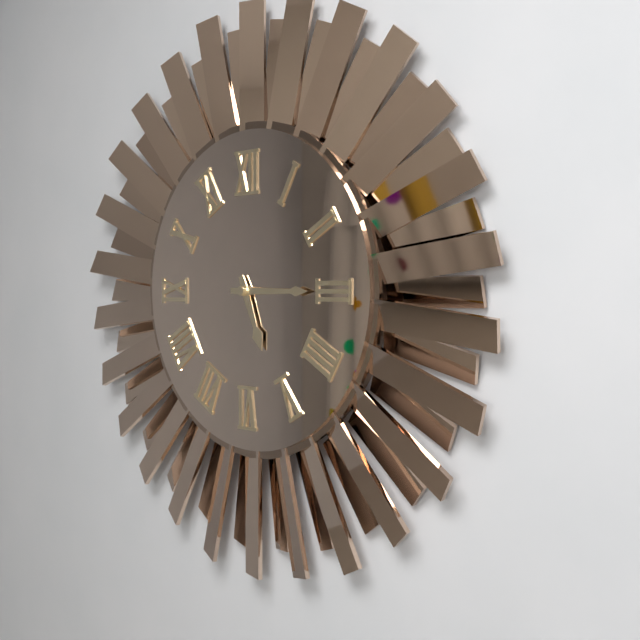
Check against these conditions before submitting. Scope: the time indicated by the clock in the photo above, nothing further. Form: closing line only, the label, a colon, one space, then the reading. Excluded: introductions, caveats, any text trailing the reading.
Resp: 5:15
